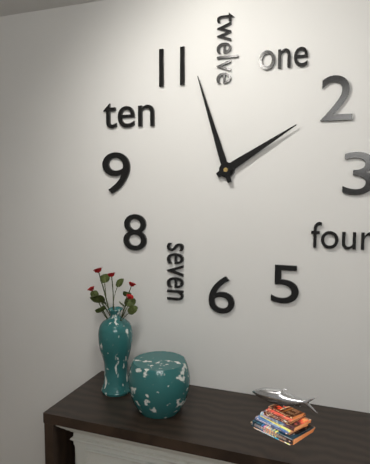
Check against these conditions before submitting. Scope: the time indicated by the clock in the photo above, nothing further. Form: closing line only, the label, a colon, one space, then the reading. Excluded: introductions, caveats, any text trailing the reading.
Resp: 1:57
